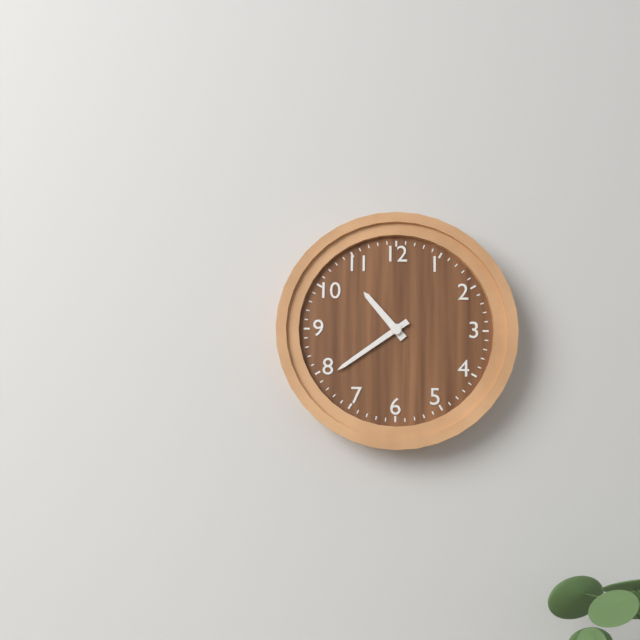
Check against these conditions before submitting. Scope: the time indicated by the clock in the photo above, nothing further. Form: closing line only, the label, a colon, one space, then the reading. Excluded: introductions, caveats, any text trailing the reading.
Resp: 10:39
